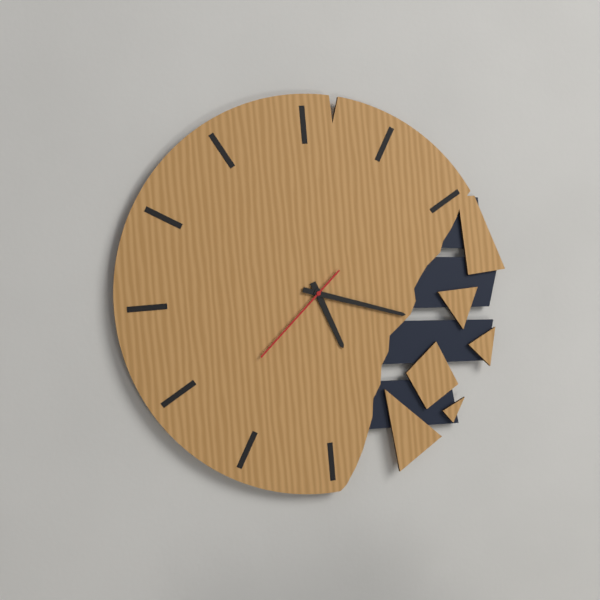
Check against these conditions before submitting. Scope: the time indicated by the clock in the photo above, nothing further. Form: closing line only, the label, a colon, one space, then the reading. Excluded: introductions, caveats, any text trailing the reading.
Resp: 5:18:38
